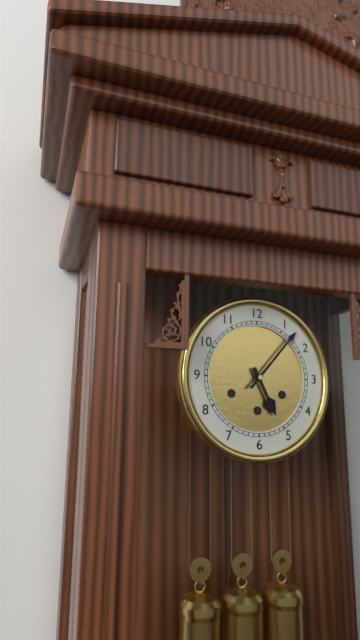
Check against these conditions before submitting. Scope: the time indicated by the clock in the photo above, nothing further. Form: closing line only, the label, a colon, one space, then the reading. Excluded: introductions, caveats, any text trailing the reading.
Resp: 5:07
